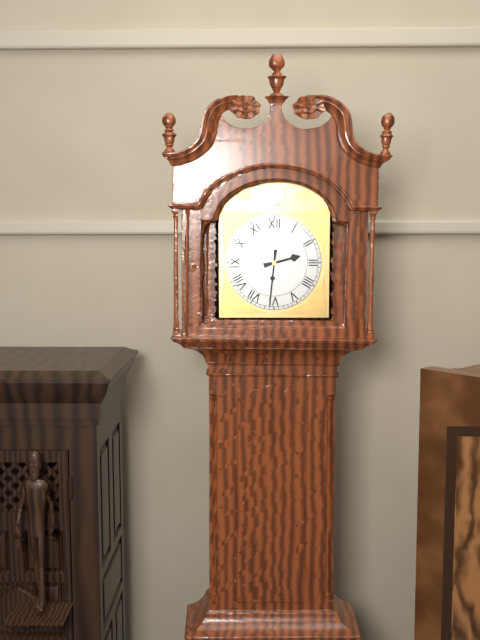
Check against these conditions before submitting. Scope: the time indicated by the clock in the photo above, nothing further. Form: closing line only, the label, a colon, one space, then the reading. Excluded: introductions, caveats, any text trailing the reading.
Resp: 2:31
